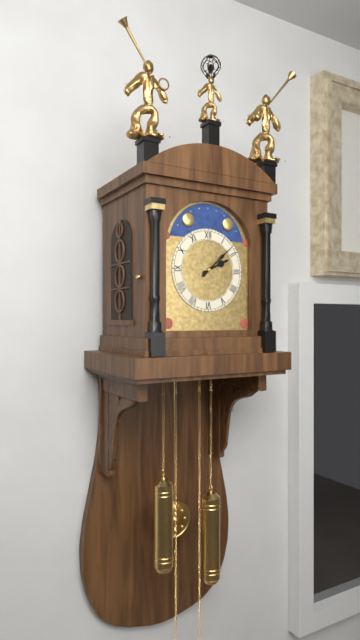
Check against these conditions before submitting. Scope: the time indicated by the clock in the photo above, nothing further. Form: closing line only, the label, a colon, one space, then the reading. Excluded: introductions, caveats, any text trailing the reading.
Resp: 2:08
